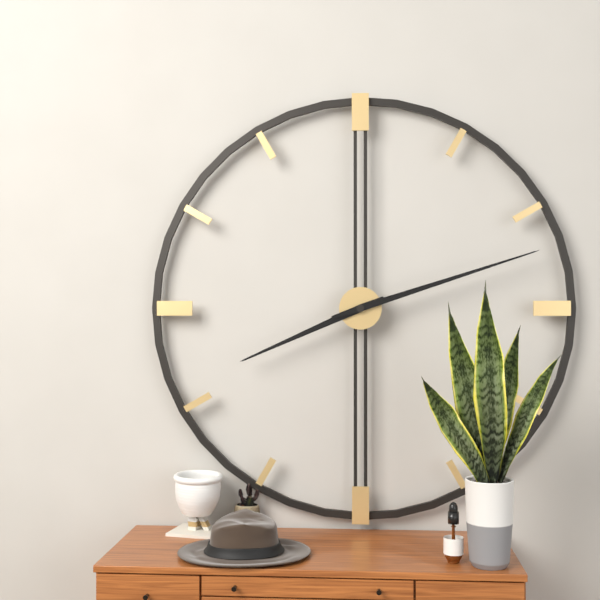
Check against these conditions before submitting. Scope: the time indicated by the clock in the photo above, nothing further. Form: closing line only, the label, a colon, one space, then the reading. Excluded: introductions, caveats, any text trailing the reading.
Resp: 8:12
